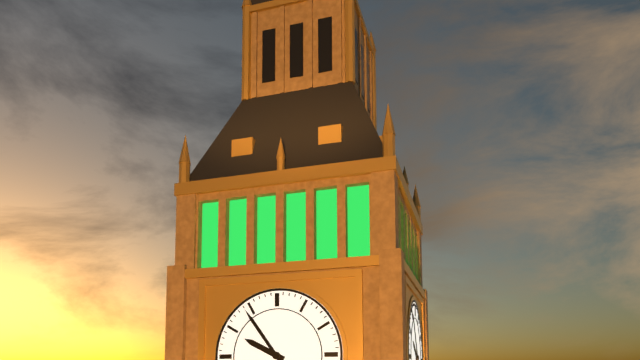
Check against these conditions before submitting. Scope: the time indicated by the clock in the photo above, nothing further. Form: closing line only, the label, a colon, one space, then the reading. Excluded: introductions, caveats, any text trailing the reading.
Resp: 9:54
